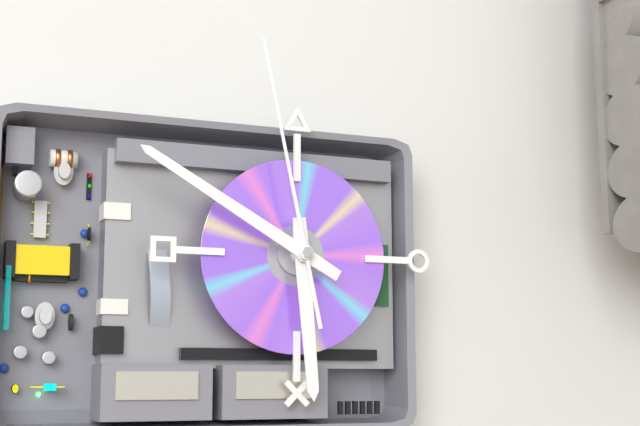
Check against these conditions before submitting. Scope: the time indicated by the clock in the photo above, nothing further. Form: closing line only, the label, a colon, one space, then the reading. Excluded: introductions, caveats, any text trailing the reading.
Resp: 5:50:58
